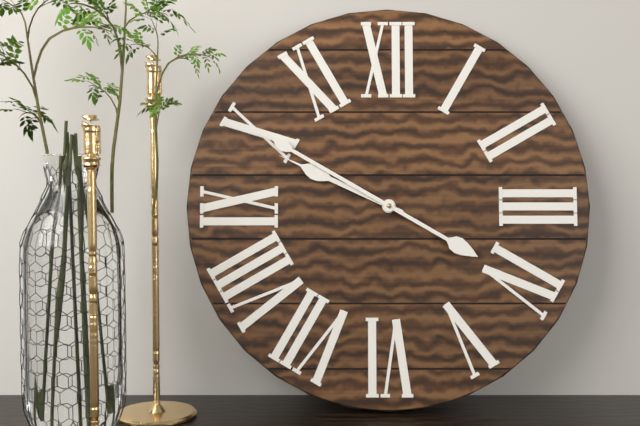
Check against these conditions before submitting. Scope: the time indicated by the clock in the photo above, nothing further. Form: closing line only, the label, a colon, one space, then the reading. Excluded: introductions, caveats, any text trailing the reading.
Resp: 9:50
